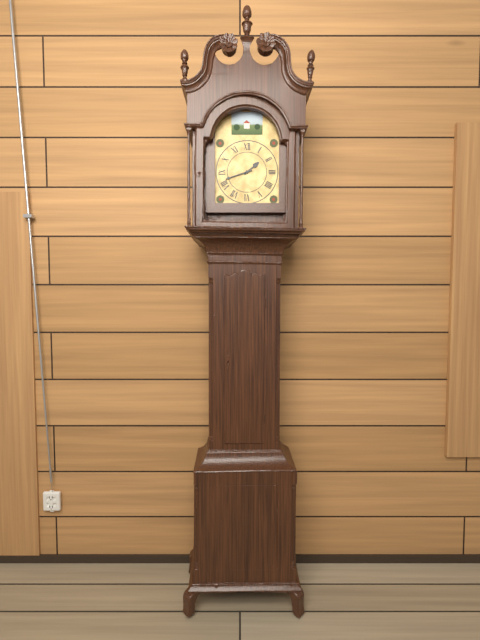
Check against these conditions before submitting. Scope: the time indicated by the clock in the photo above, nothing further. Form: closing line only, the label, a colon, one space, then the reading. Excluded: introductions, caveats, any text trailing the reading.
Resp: 1:42
